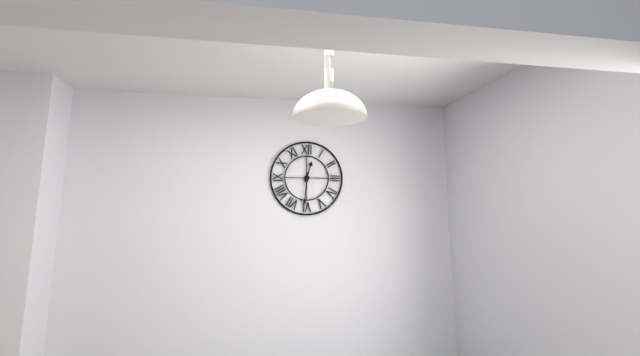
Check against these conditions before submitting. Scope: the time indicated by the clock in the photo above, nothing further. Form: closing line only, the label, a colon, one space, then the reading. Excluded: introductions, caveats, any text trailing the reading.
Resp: 12:31
